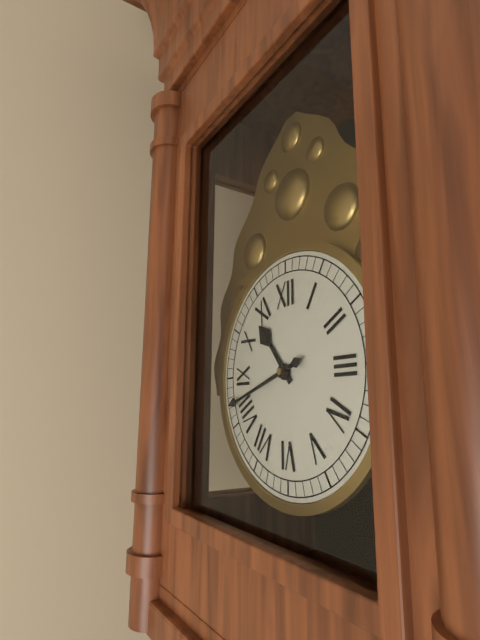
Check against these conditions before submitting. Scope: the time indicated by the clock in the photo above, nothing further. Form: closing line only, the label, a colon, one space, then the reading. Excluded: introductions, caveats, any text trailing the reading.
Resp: 10:42
